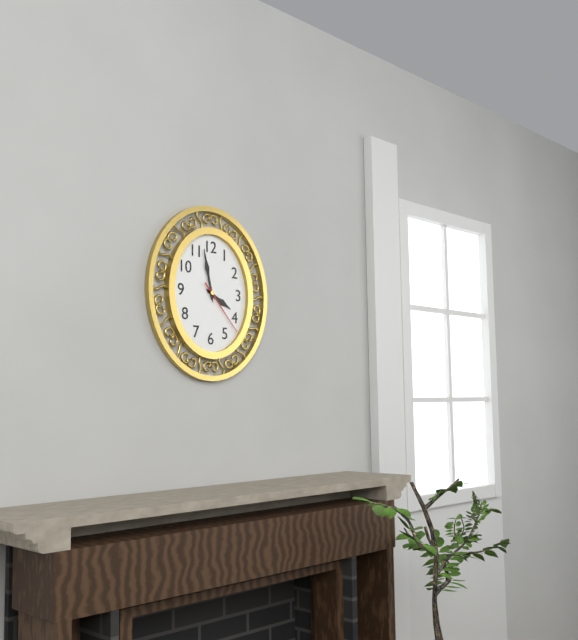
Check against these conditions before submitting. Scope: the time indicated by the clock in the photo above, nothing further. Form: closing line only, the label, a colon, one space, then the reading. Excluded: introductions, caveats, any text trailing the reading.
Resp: 3:58:23
